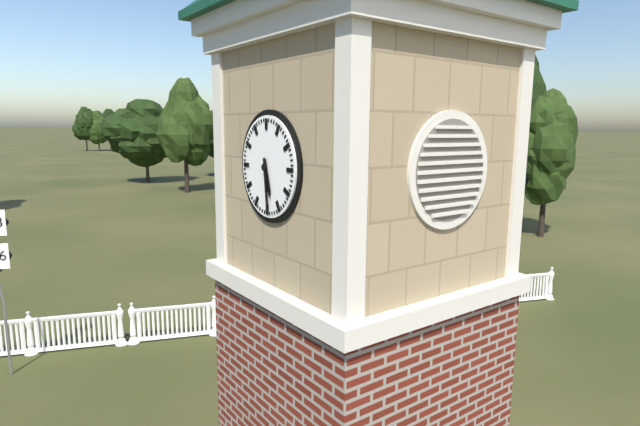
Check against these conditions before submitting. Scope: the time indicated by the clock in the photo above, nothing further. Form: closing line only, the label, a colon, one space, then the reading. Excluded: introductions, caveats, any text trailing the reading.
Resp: 5:29
